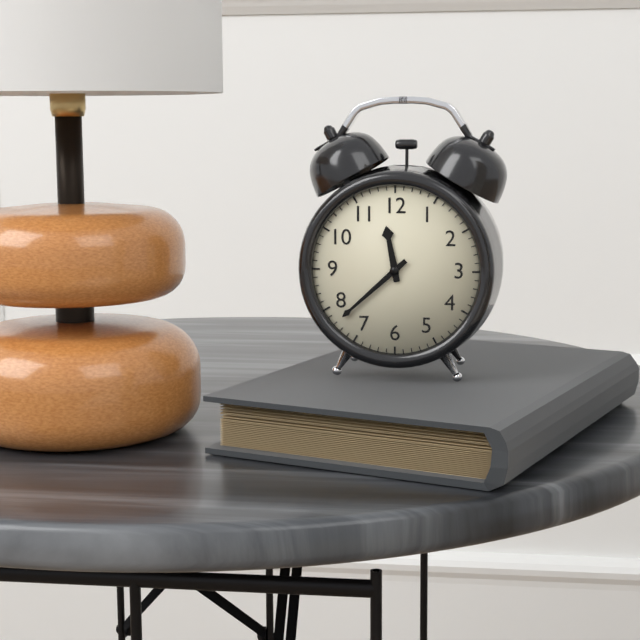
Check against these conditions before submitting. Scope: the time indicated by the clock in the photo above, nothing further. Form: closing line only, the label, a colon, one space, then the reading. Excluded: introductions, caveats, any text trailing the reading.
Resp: 11:38
